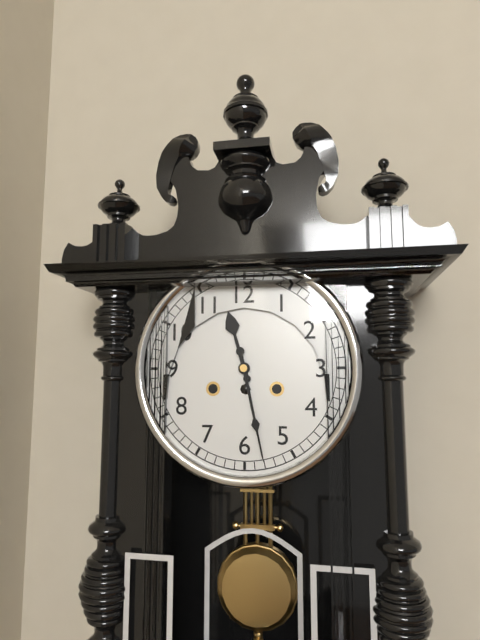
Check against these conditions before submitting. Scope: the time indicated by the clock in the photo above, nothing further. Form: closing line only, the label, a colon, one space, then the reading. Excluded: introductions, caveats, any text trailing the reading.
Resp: 11:28
